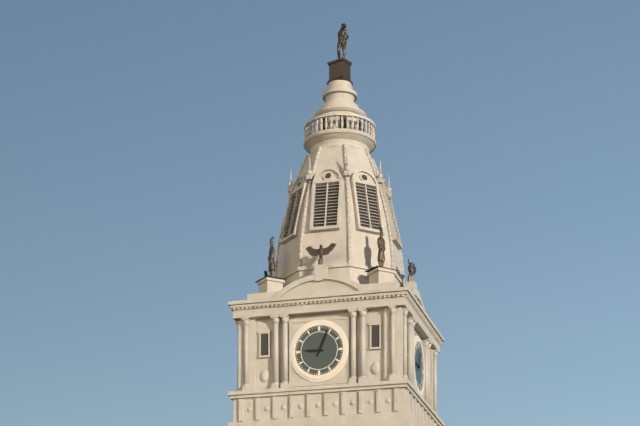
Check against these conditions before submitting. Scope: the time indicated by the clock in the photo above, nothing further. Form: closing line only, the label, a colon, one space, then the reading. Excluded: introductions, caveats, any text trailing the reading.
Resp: 9:04
